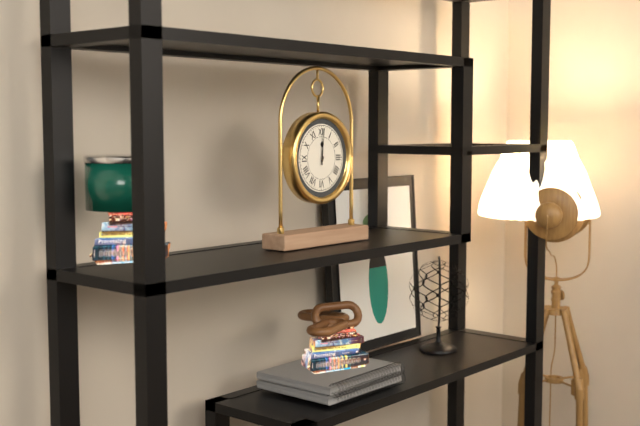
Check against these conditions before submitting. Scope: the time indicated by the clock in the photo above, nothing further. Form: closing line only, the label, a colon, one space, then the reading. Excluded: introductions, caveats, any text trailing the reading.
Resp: 12:01
